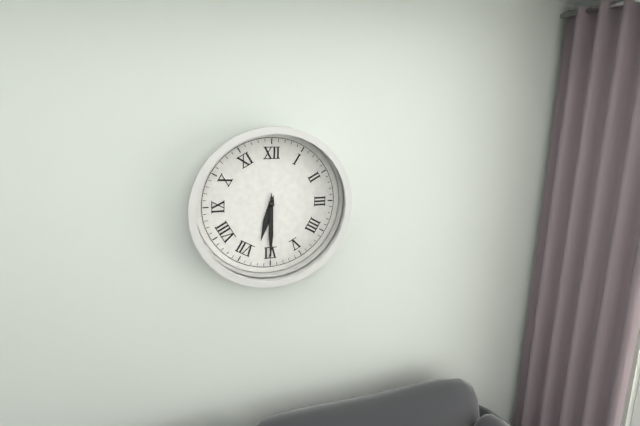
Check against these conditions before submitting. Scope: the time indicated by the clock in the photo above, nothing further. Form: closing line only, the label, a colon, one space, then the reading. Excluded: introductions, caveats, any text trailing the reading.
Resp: 6:30
